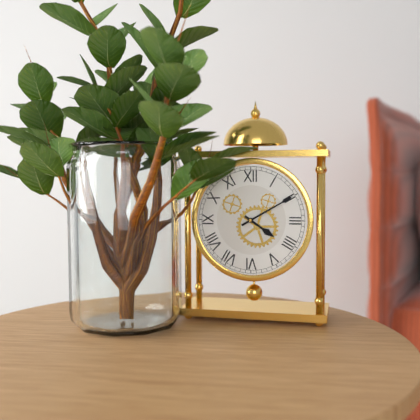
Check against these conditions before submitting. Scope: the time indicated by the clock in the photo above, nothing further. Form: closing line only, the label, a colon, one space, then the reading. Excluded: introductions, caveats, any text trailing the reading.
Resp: 4:10
